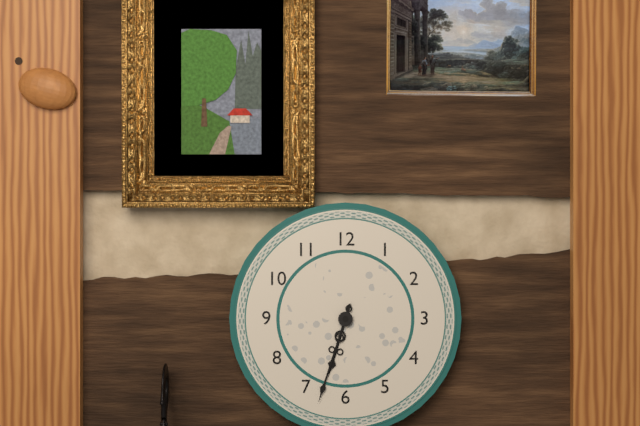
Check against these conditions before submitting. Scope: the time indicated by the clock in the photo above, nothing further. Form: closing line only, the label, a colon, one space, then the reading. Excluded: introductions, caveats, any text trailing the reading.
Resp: 6:33
